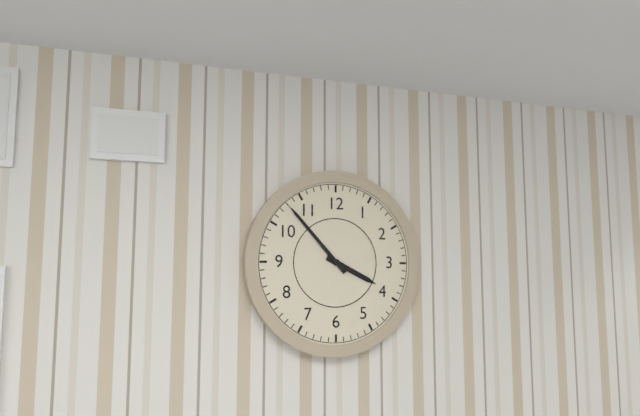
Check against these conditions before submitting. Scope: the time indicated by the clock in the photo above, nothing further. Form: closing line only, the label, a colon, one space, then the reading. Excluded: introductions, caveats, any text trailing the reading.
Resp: 3:53
